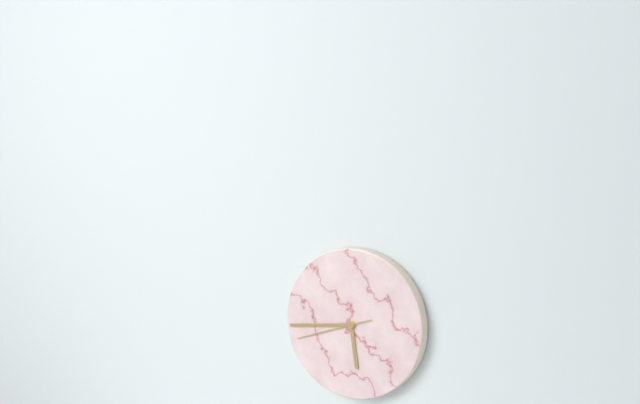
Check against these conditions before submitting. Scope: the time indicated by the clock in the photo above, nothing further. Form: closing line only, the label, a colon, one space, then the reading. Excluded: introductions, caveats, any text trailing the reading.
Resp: 5:44:42
